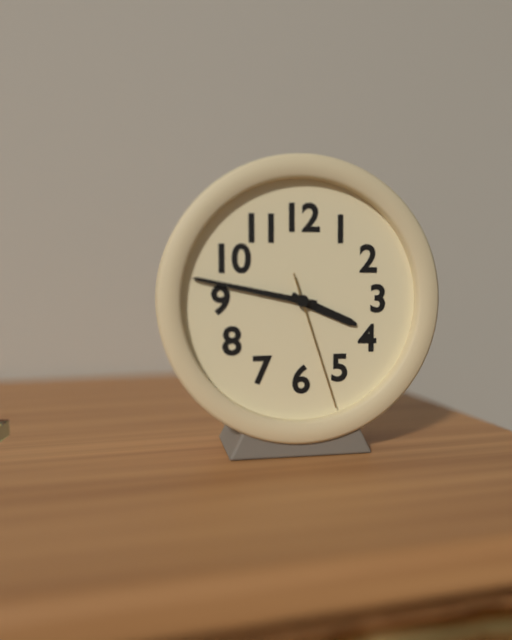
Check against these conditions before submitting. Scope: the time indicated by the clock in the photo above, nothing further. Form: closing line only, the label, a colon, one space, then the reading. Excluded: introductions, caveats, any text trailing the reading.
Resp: 3:47:27
